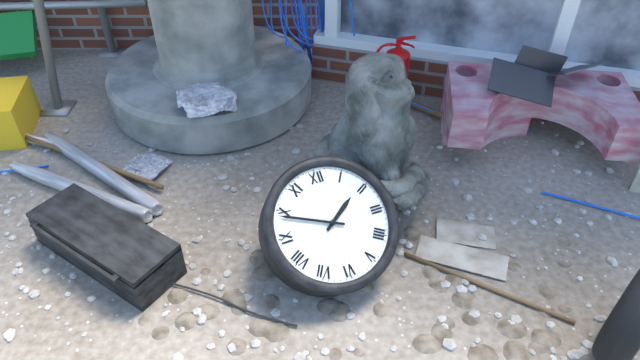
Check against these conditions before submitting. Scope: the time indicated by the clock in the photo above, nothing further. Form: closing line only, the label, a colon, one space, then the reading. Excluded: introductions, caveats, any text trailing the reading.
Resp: 1:49
